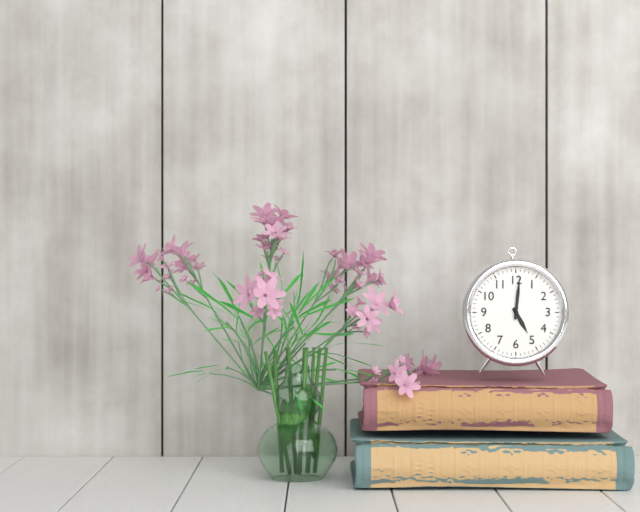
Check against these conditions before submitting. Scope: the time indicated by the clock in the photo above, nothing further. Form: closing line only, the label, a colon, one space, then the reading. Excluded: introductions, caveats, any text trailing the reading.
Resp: 5:01
